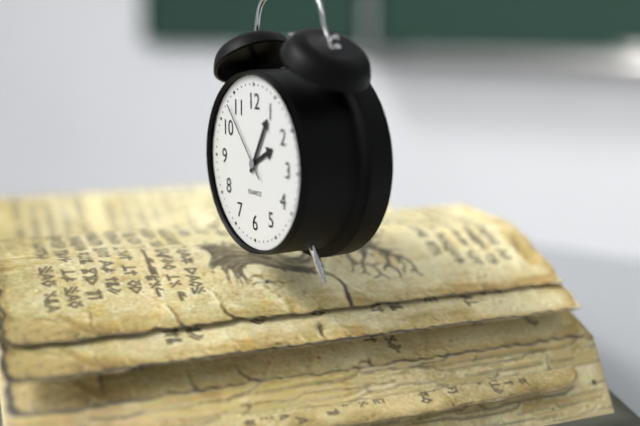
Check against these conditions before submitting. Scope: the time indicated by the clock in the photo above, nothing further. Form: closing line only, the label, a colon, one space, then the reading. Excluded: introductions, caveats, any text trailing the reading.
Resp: 2:05:53
